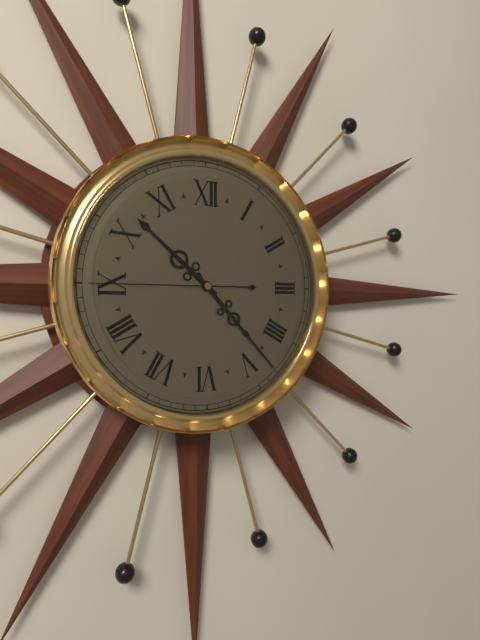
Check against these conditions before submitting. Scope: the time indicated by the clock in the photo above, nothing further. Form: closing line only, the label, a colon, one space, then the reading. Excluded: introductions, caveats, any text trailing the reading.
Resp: 10:23:45
